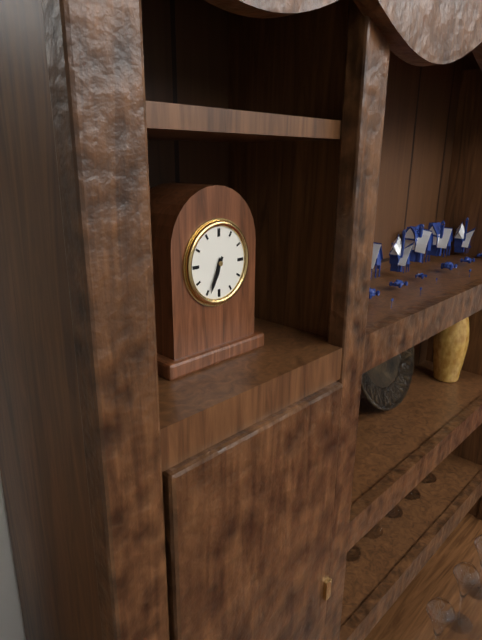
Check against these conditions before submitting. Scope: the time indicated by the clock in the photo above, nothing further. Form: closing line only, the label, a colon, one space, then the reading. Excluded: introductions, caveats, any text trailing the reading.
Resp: 6:34
